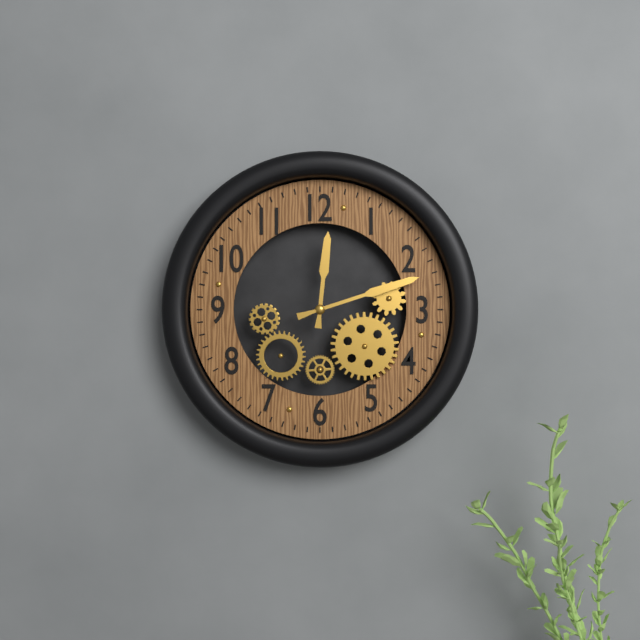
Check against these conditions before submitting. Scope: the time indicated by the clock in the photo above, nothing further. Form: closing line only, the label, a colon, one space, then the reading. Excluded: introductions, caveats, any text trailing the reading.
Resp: 12:12
